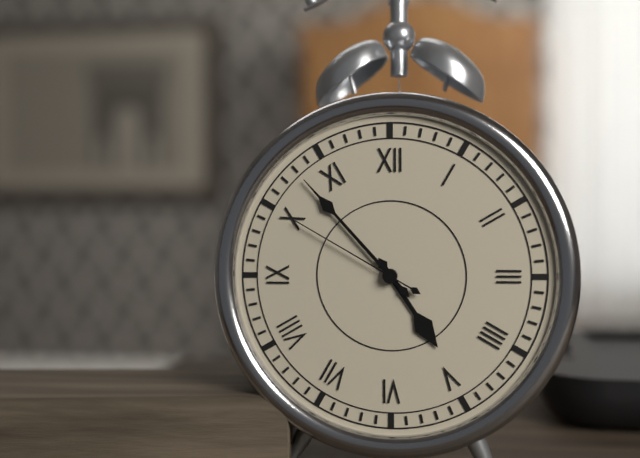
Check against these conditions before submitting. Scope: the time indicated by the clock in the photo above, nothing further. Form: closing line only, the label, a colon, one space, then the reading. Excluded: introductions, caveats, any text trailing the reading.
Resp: 4:53:50
